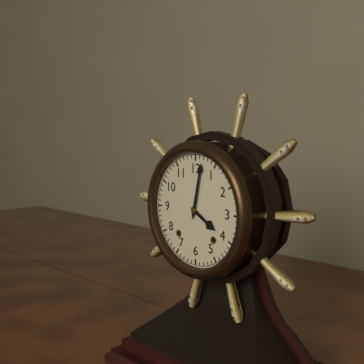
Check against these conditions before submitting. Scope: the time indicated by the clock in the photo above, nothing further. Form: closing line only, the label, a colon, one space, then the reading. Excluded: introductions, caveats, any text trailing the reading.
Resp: 4:02
